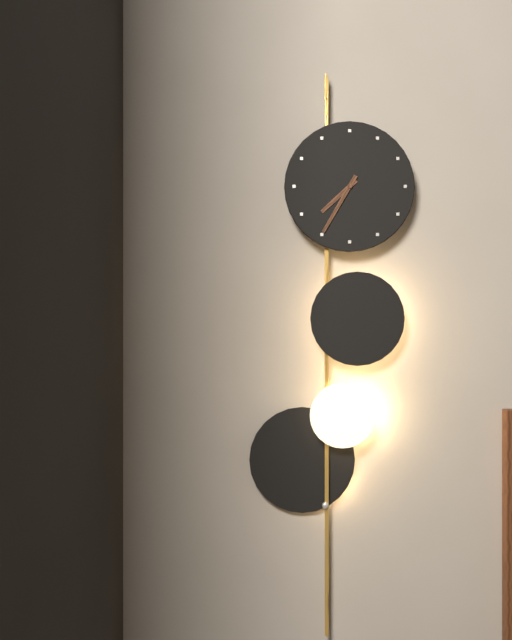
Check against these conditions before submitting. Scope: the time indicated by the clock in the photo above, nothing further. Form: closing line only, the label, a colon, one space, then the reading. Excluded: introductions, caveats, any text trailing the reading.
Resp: 7:35
